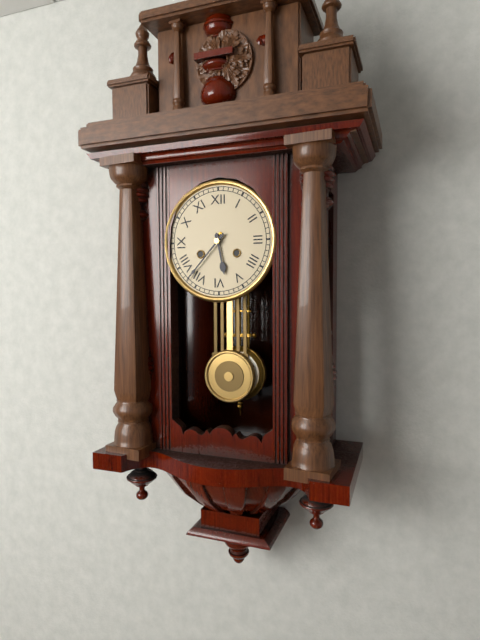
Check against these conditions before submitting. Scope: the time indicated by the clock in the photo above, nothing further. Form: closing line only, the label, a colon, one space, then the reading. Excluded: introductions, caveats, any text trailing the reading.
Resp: 5:37
